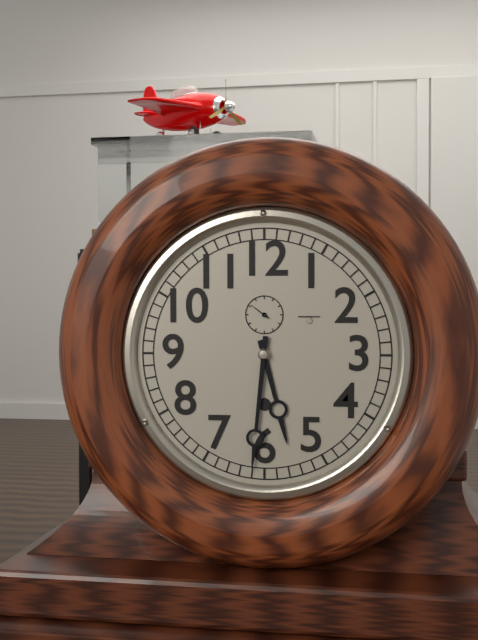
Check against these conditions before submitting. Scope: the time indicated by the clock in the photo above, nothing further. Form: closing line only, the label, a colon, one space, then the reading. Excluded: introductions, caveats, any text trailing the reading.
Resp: 5:31
